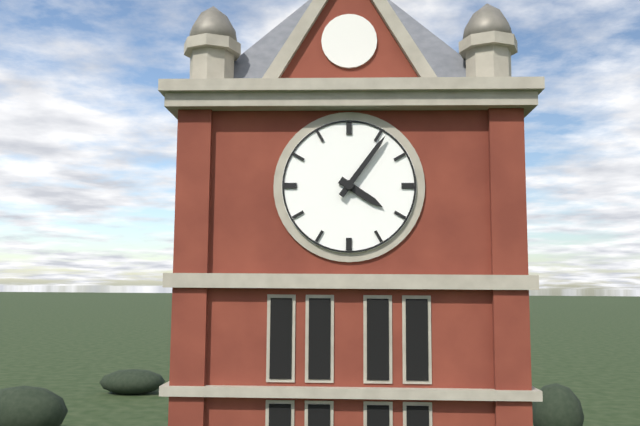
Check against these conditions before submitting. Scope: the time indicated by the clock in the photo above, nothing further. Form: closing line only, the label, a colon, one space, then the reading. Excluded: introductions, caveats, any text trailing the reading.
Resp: 4:06
